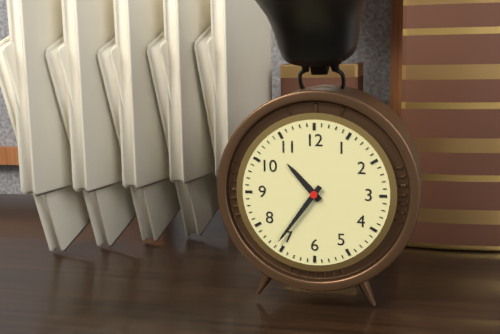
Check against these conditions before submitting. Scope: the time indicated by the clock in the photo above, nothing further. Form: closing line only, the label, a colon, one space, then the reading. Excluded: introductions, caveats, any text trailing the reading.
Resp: 10:36
